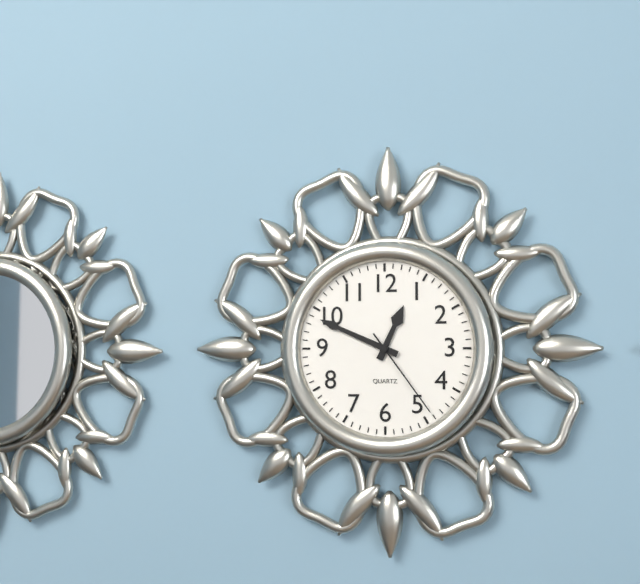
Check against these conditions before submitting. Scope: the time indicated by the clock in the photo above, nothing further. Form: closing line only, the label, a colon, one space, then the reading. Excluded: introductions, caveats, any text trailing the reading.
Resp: 12:49:24
